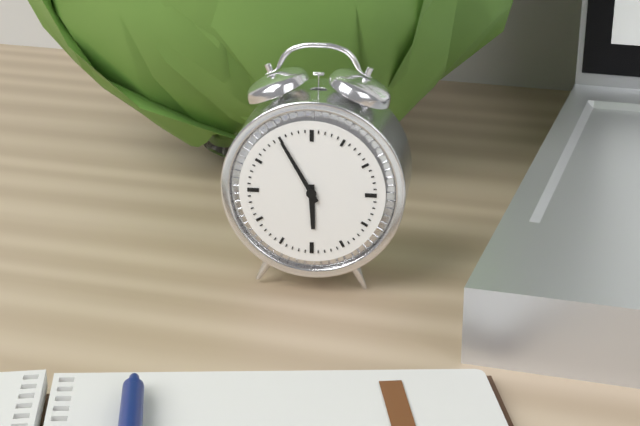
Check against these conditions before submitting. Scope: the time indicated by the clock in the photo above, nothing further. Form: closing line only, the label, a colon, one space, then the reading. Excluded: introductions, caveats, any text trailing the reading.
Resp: 5:55
